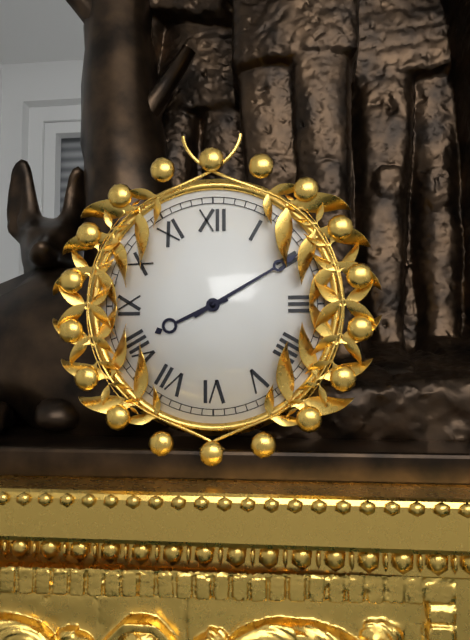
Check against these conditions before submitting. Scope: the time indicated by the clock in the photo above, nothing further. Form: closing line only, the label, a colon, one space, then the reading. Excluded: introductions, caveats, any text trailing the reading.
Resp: 8:10
